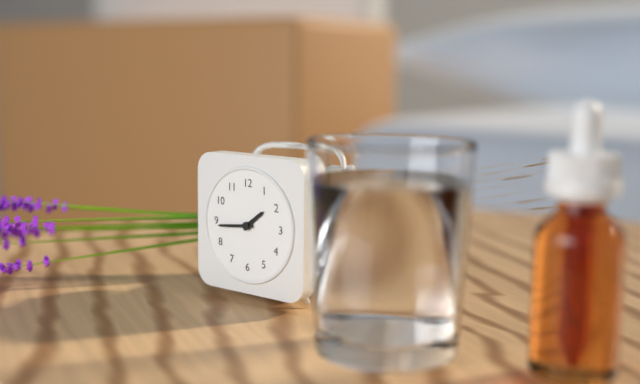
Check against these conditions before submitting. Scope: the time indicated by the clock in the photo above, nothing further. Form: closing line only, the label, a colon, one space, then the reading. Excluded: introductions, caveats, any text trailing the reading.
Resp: 1:44
